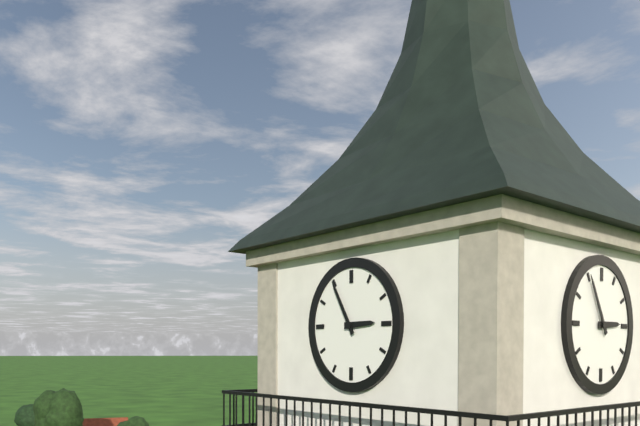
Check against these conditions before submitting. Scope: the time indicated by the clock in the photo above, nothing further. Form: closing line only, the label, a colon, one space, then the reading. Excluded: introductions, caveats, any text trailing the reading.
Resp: 2:55
